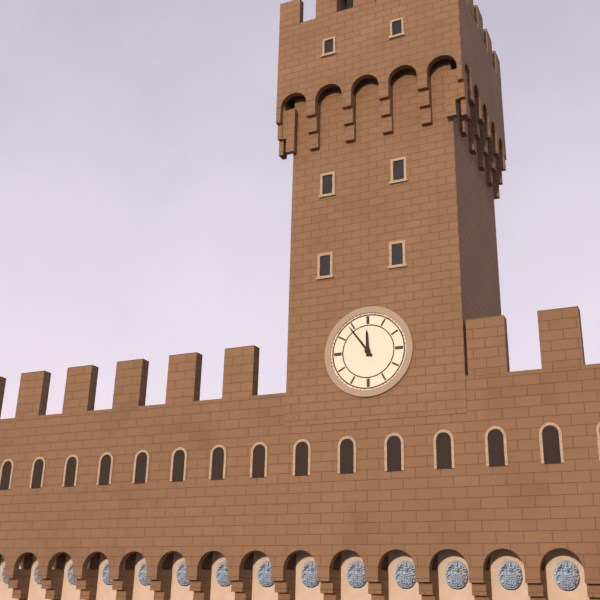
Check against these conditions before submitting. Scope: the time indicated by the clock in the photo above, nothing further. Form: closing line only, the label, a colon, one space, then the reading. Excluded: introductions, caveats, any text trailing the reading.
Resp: 11:54
